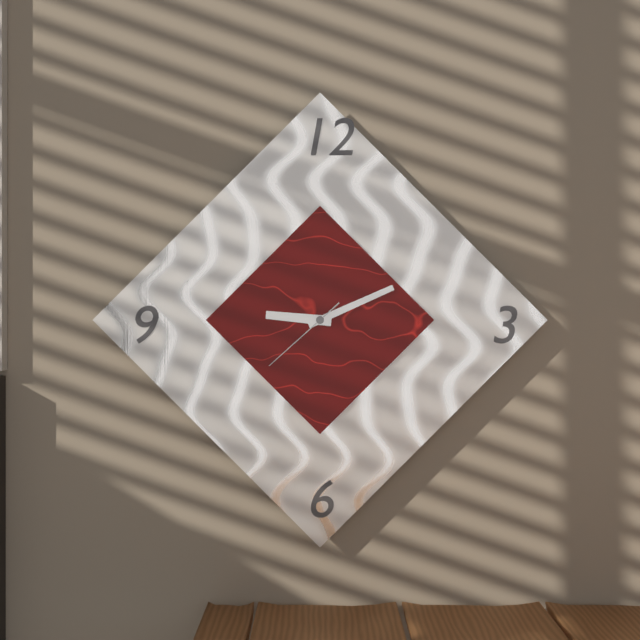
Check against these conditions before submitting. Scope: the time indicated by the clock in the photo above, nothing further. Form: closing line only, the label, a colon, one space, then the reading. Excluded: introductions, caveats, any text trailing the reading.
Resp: 9:11:38
